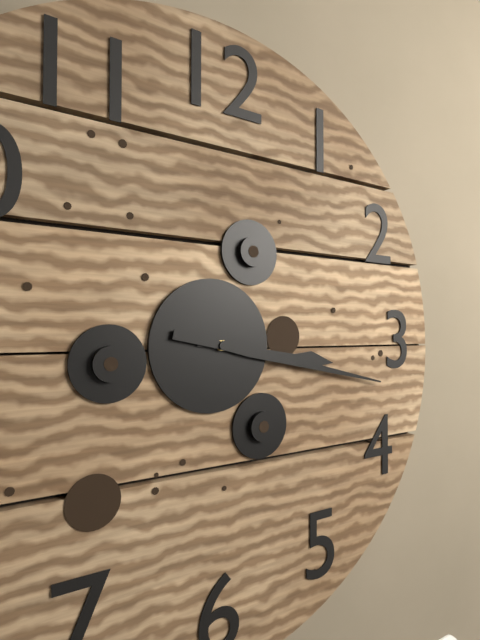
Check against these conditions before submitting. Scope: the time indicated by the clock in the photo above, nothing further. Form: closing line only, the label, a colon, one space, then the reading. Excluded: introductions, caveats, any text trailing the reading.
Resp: 3:17
